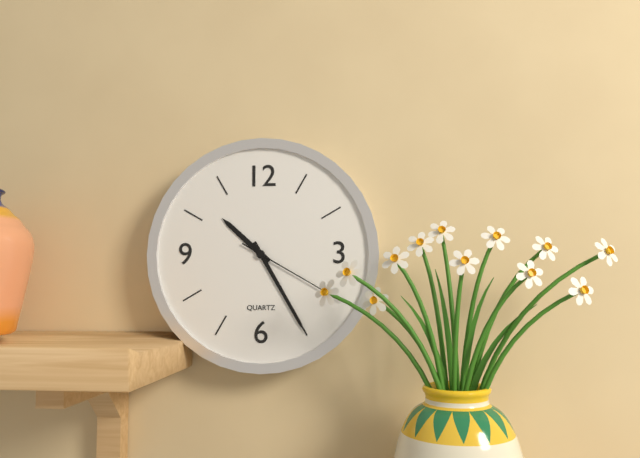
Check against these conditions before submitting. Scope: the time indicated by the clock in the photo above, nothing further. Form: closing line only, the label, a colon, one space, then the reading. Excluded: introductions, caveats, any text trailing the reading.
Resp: 10:25:20
